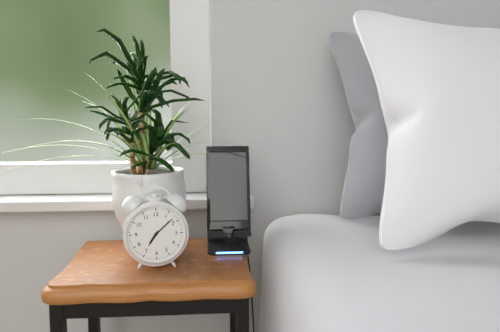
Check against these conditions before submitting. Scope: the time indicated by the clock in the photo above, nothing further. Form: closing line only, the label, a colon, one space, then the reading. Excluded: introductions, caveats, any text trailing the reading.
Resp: 7:08
